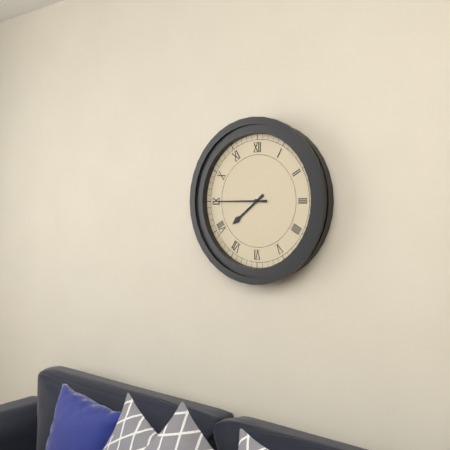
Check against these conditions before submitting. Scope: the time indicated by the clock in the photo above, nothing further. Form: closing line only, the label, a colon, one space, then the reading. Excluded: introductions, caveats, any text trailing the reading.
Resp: 7:45
